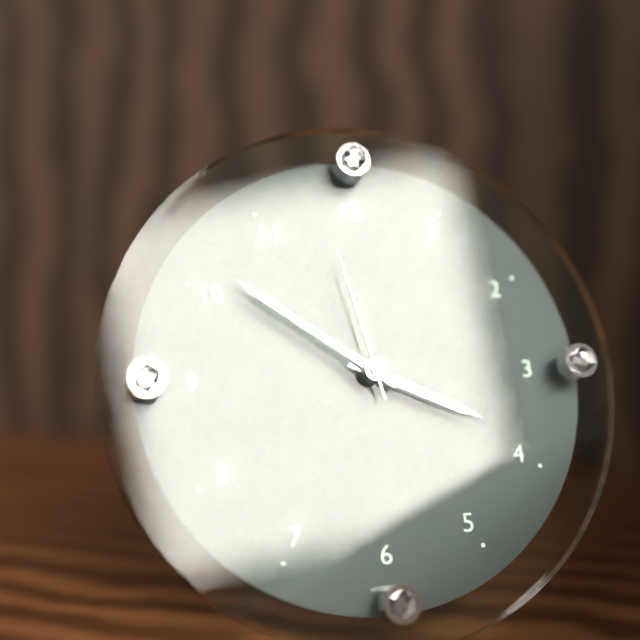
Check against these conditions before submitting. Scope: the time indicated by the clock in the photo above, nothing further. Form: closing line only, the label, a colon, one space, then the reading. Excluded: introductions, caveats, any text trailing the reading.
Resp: 3:51:58
